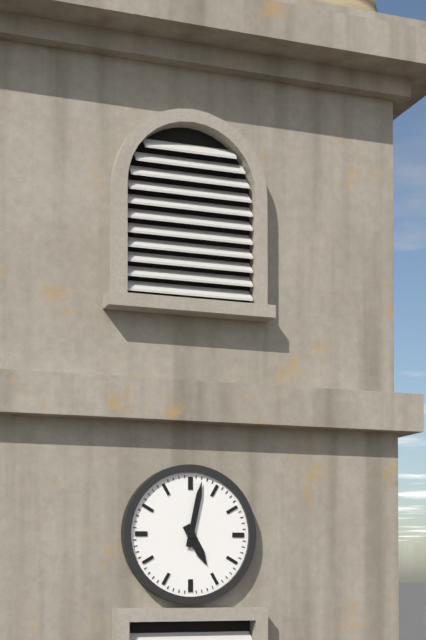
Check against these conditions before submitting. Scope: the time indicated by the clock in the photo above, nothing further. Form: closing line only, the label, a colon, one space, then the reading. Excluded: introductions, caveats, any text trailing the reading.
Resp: 5:02
